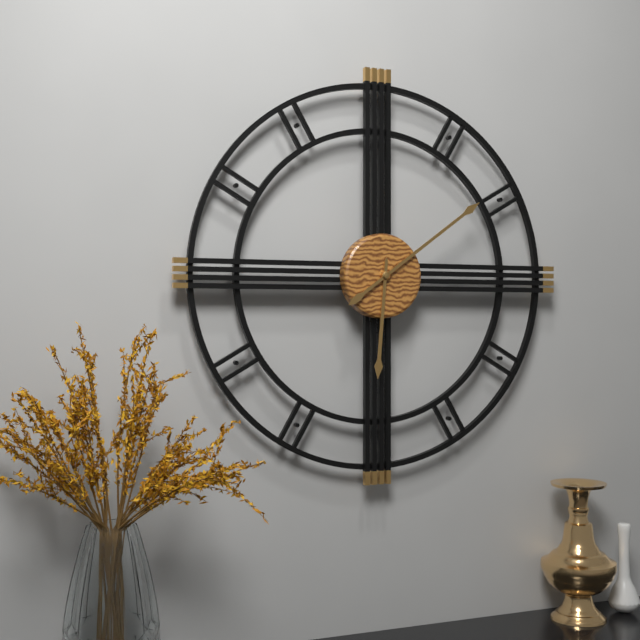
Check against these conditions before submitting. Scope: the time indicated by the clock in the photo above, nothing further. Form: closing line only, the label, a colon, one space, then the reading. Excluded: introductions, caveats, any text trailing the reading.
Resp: 6:09
